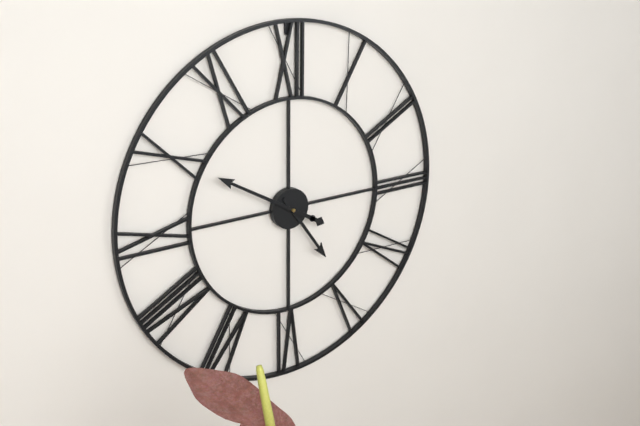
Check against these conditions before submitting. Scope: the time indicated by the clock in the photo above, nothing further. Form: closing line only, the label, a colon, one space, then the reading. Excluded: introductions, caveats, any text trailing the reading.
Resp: 4:50
